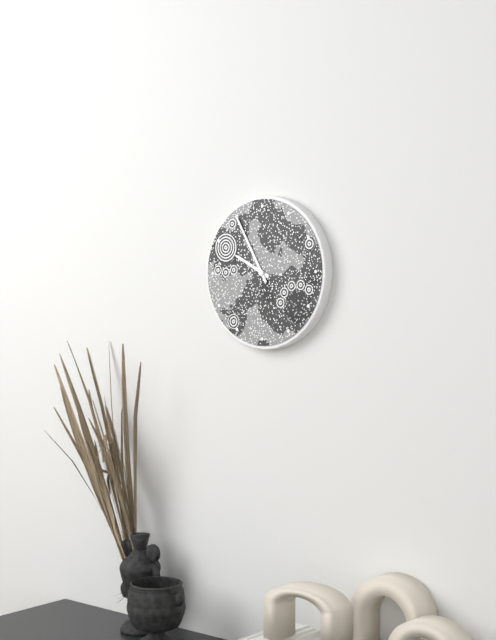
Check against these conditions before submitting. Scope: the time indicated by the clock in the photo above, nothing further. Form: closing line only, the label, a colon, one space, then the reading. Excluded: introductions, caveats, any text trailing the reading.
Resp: 9:55
